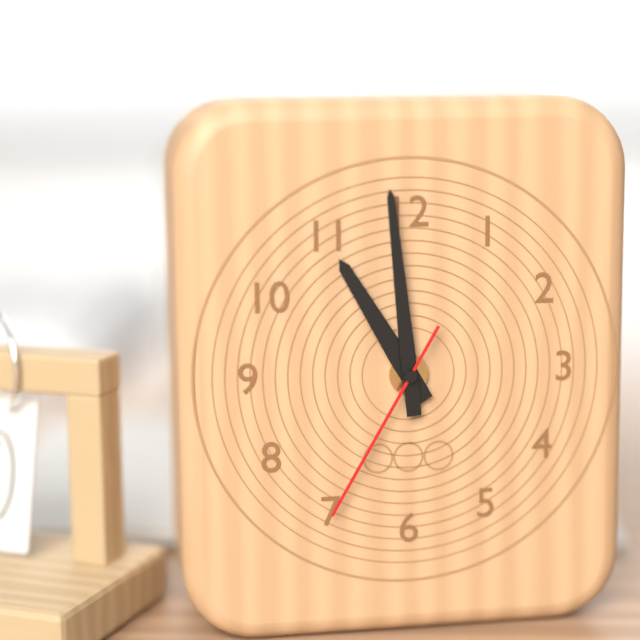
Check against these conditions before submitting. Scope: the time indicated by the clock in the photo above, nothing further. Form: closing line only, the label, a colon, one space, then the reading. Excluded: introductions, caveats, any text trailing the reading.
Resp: 10:59:35
